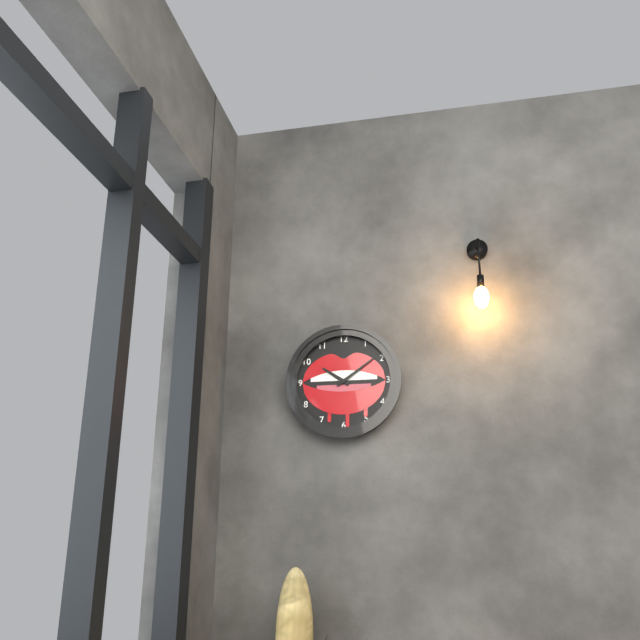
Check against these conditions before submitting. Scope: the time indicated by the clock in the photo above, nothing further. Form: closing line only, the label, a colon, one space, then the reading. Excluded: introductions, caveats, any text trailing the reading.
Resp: 10:09
